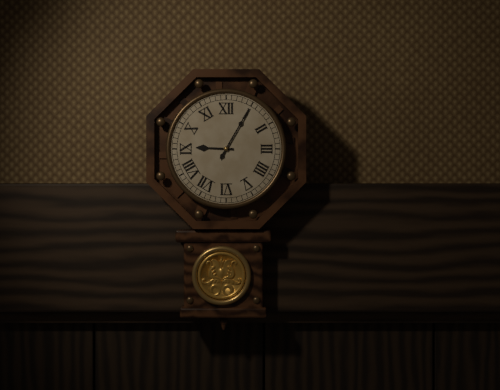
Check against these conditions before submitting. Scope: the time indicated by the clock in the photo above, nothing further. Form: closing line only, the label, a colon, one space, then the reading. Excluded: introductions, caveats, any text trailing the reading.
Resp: 9:05
